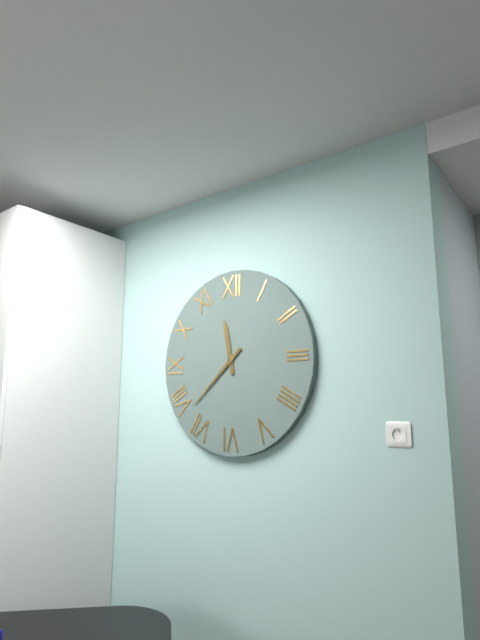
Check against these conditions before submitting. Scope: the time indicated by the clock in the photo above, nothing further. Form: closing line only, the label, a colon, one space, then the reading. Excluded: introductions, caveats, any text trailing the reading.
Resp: 11:38
